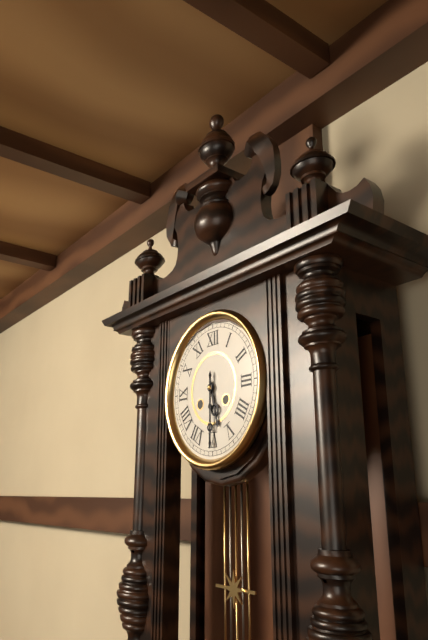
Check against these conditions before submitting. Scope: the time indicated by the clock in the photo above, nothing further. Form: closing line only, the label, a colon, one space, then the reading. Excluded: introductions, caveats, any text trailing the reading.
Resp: 5:30
